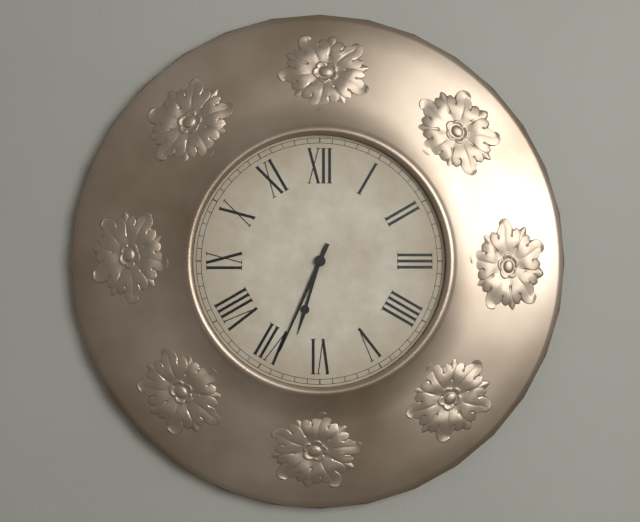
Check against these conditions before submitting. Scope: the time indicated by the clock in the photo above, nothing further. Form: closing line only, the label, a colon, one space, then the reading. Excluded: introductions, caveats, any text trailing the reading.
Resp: 6:34
